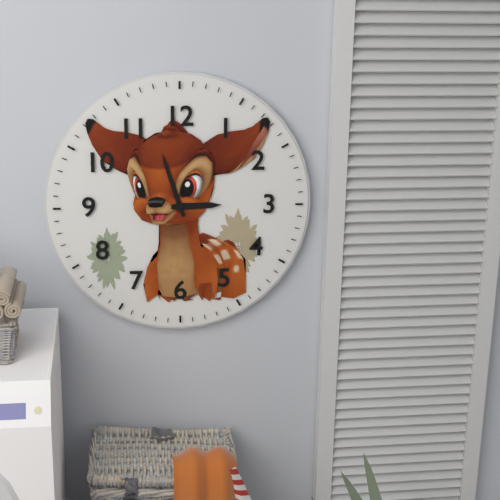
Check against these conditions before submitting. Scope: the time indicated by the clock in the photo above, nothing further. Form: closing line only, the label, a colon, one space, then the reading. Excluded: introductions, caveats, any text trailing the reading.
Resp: 2:57
